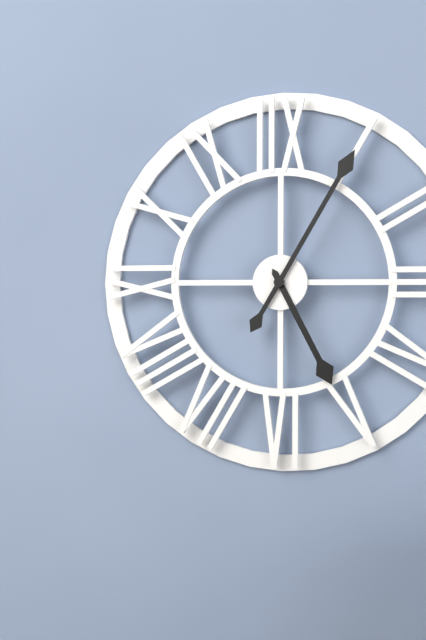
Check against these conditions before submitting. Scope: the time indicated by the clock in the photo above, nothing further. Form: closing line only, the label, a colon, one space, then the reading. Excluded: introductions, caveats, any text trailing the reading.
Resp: 5:05
